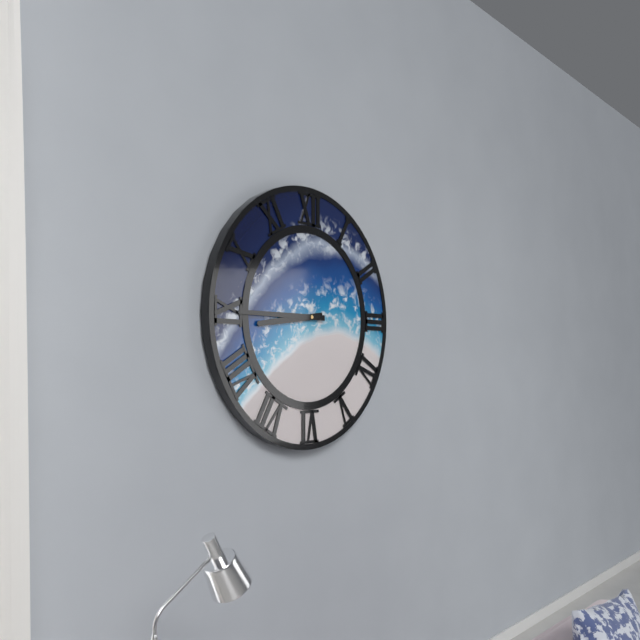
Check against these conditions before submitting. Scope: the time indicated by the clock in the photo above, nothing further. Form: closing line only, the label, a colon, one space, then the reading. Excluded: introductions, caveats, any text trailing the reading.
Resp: 8:45
